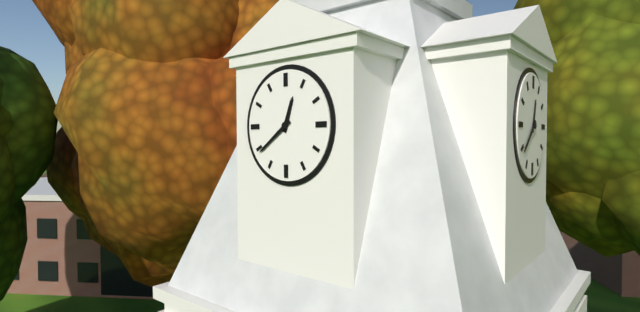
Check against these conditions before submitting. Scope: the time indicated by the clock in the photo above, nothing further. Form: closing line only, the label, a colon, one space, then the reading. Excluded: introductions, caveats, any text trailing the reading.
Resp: 12:39
